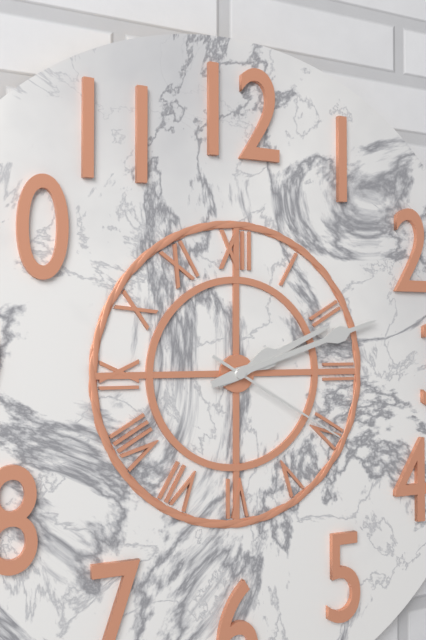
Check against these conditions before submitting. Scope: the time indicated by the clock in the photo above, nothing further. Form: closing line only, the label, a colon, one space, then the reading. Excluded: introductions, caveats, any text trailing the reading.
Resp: 2:12:20
